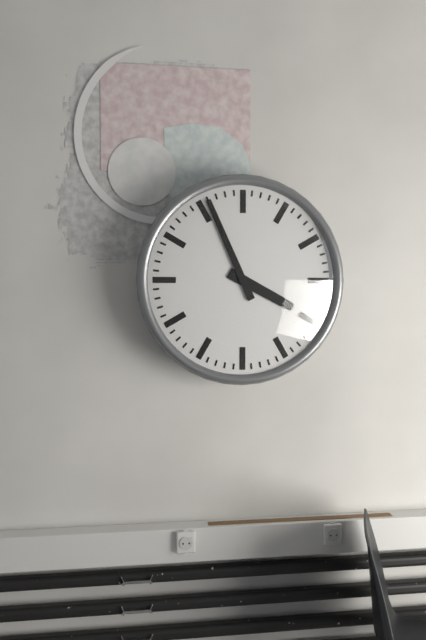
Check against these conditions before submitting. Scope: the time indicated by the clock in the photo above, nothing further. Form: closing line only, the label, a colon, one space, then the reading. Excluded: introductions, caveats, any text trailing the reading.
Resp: 3:56
